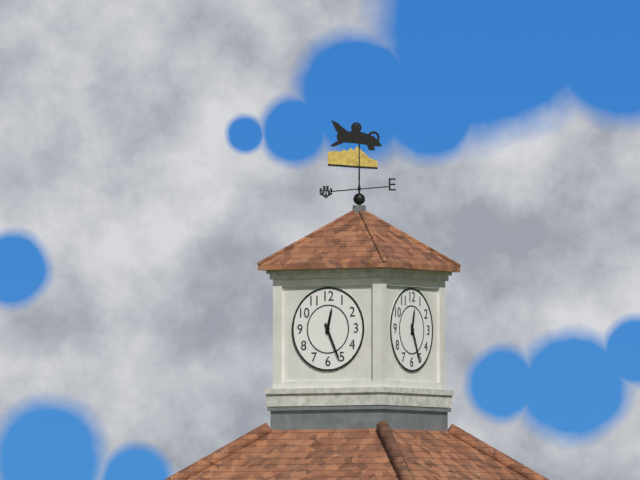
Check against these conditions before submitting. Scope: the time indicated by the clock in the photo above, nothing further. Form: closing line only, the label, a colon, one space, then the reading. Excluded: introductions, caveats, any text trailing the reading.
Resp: 12:26
